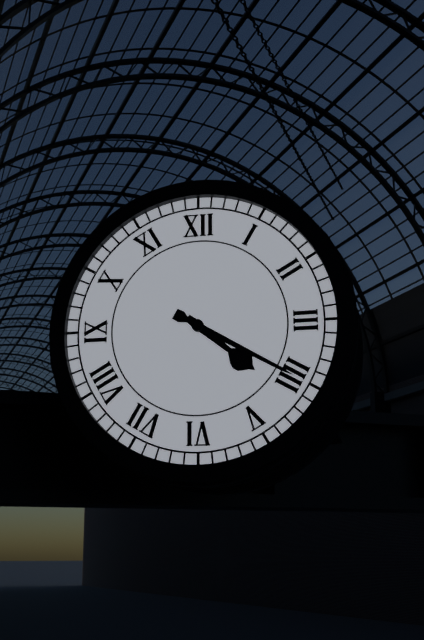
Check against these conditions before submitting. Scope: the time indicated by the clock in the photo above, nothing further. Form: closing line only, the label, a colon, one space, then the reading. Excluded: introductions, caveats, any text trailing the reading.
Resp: 4:20
